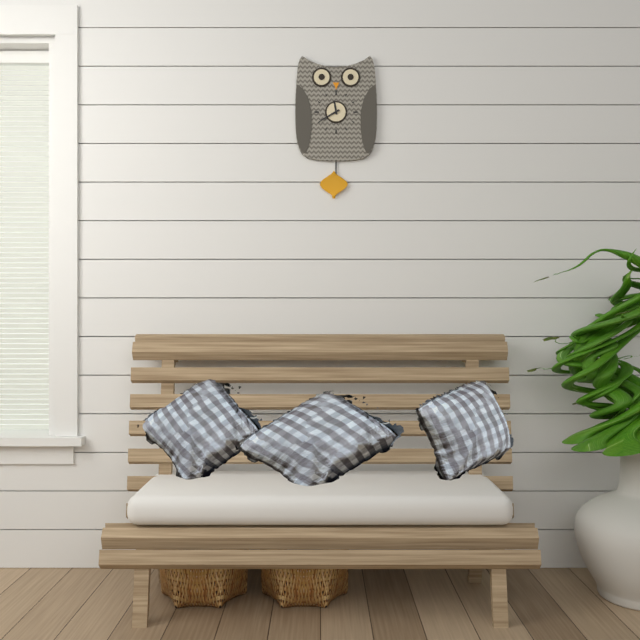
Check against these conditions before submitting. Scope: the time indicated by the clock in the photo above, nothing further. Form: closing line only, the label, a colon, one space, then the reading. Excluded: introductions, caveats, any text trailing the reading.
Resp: 11:40
